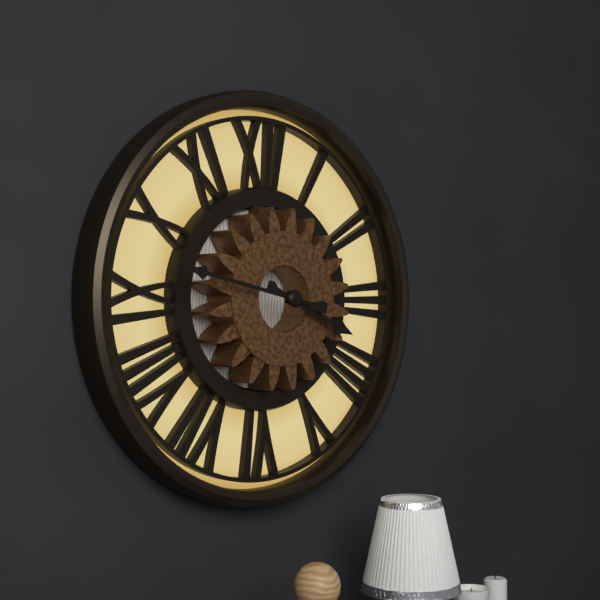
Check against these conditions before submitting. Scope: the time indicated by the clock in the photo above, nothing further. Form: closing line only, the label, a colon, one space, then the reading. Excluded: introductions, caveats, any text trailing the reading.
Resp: 3:47
